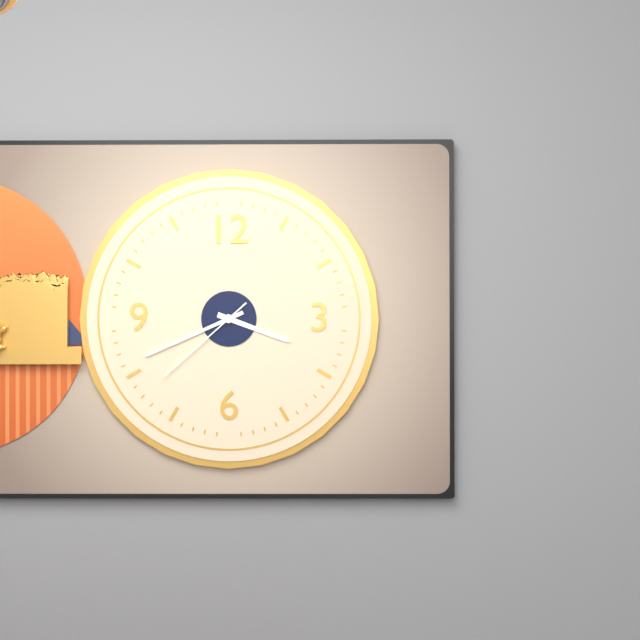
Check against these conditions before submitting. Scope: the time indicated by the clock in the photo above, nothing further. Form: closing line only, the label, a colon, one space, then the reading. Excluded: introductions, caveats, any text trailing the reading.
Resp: 3:41:38
